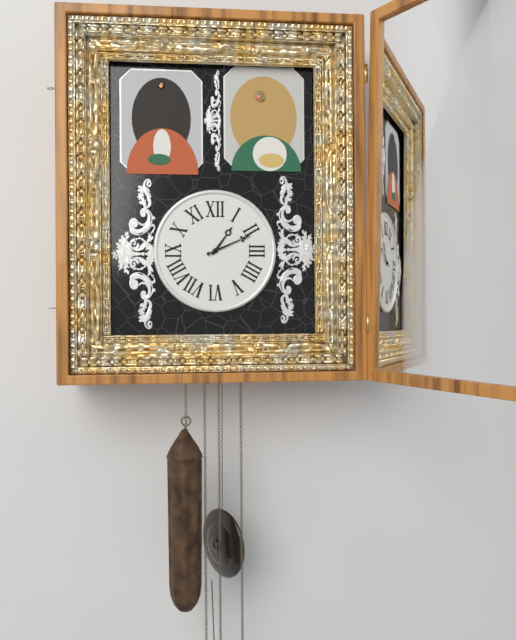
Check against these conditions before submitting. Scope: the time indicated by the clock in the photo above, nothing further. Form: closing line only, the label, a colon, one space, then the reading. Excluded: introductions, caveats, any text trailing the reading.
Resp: 1:11
